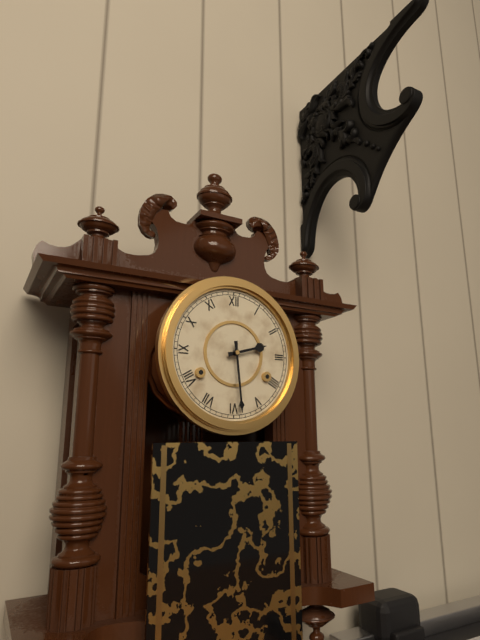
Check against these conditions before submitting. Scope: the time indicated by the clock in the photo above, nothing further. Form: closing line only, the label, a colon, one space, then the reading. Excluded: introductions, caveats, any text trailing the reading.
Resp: 2:29
